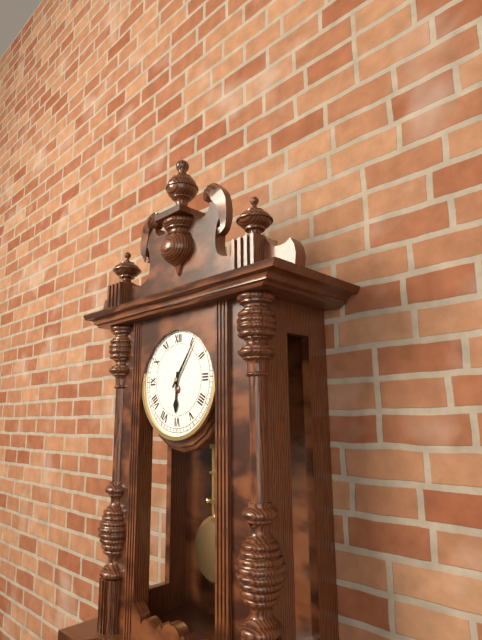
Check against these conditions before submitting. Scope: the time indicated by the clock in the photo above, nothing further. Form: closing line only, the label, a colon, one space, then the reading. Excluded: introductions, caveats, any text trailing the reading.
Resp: 6:06
